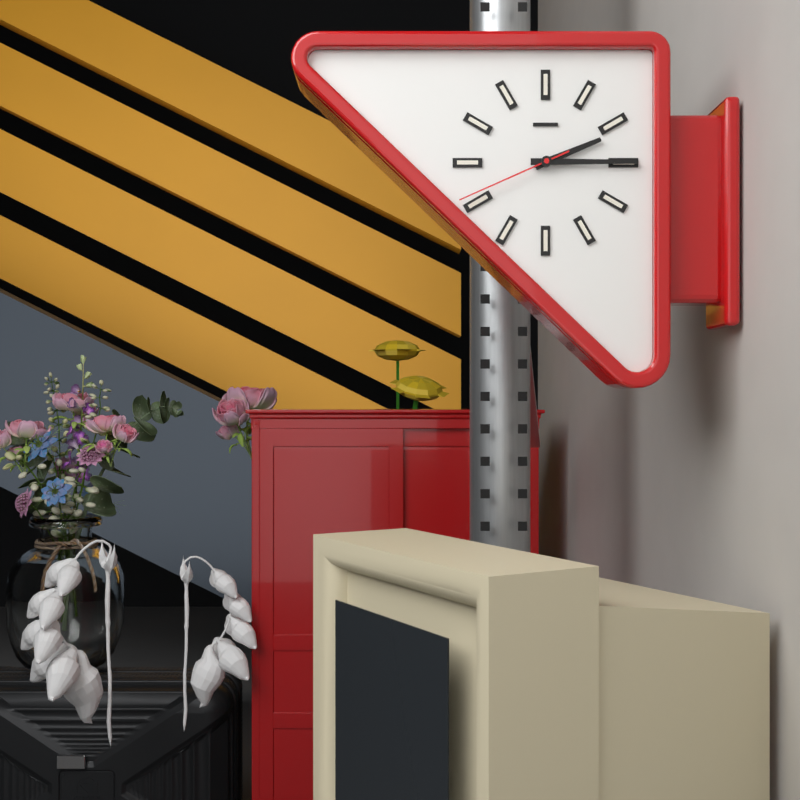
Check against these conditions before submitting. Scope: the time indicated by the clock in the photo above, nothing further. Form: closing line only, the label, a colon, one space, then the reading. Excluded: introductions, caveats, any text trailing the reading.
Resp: 2:15:41
